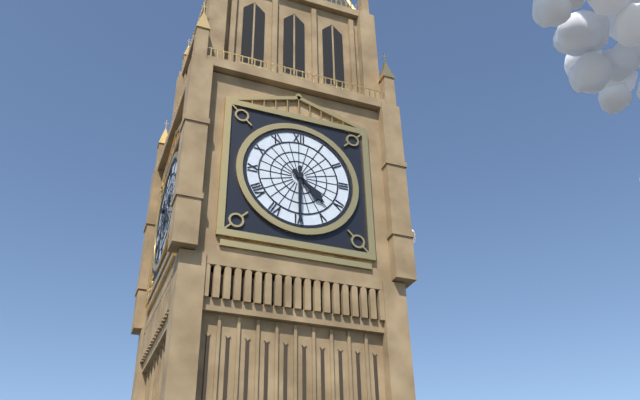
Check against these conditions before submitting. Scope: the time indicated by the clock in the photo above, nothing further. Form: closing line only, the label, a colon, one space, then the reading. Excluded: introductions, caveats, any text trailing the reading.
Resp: 4:30
